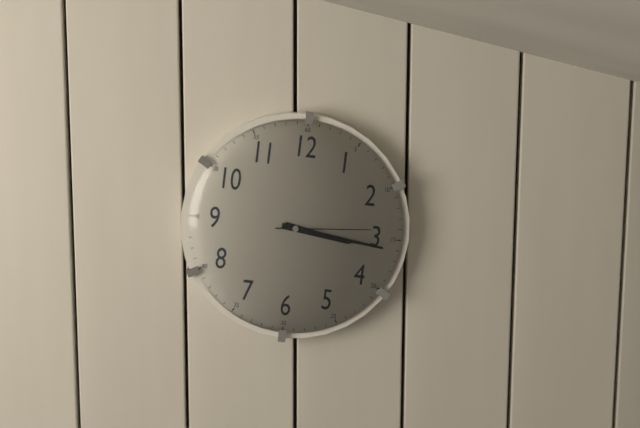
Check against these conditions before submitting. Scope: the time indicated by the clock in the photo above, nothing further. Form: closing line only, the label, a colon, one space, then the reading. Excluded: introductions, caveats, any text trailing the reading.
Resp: 3:16:14
